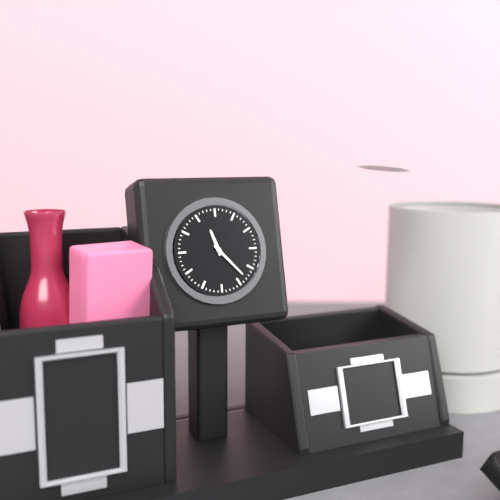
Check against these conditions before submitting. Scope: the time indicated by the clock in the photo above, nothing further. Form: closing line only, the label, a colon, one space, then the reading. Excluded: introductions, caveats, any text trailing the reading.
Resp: 11:23
